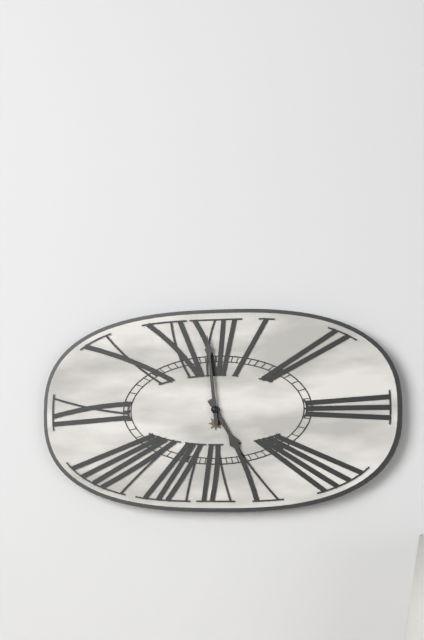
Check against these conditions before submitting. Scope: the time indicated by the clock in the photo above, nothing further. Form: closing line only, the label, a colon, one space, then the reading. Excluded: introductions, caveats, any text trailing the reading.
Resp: 4:59
